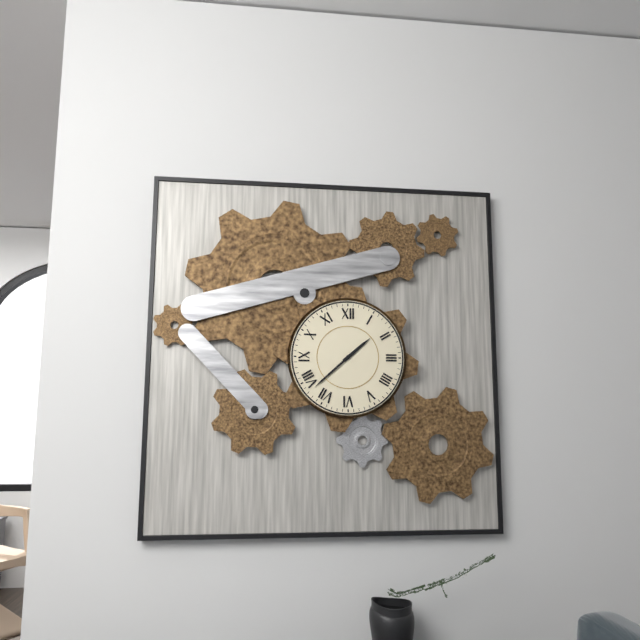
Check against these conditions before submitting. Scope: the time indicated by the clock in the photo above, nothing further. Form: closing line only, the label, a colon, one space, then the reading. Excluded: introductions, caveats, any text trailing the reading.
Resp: 1:38
